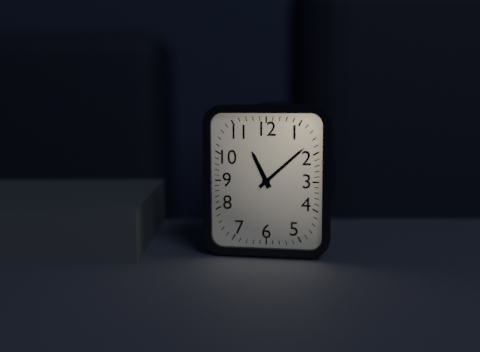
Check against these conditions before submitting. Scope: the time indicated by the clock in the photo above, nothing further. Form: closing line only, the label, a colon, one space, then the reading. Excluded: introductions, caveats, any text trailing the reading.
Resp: 11:08
